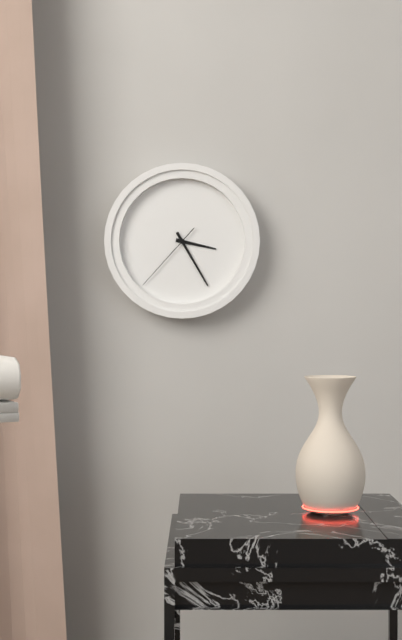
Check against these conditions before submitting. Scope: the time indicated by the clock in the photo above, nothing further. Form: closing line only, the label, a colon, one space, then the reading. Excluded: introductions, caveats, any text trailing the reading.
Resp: 3:25:37
